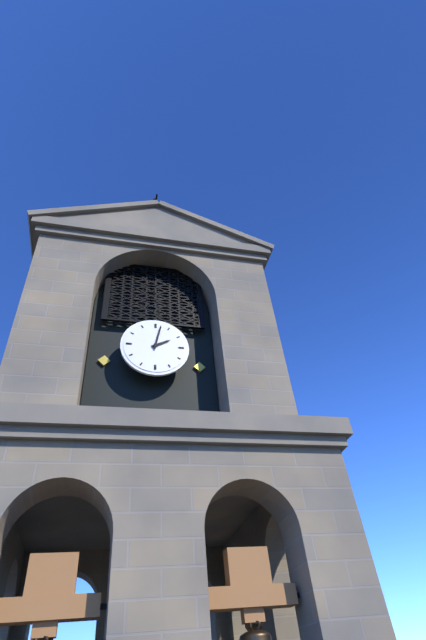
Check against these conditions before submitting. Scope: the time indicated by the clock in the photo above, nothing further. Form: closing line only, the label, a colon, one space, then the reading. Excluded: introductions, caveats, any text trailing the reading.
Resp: 2:02
